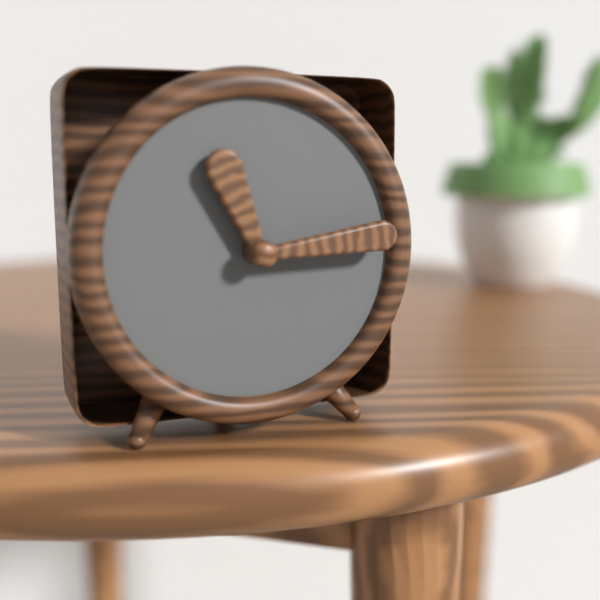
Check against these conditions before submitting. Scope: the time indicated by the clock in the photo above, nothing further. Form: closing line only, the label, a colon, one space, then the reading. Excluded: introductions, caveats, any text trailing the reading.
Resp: 11:14
